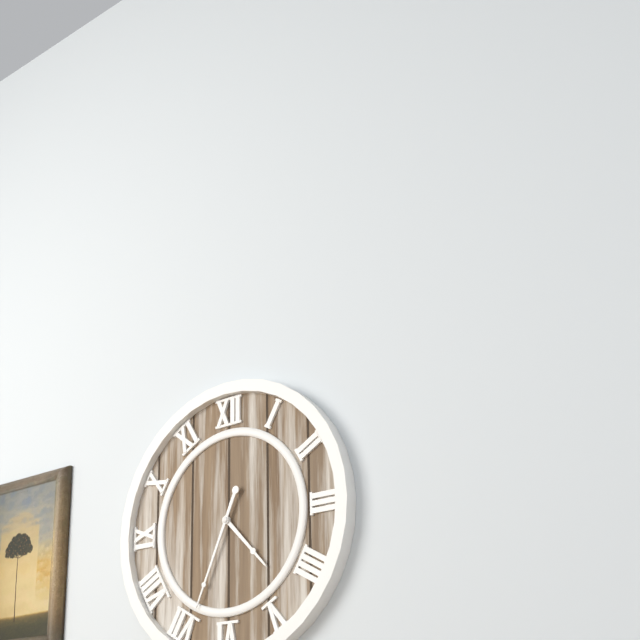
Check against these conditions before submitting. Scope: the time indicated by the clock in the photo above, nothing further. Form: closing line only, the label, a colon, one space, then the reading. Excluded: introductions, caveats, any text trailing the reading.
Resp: 4:34
